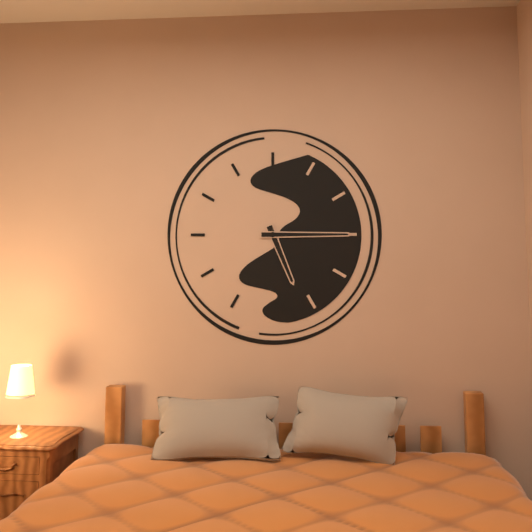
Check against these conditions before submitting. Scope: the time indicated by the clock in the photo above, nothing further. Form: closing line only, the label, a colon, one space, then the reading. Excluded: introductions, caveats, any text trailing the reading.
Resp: 5:15
